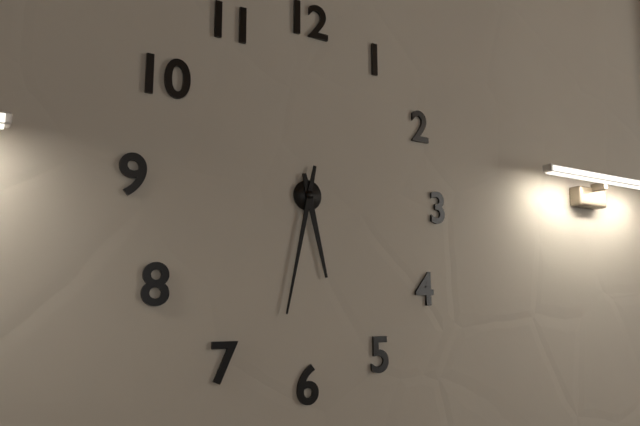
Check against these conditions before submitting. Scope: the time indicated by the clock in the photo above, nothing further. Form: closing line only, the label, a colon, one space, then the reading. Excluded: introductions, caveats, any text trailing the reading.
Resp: 5:32
